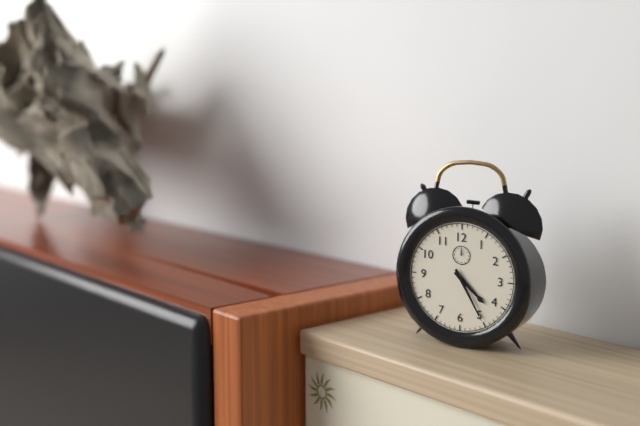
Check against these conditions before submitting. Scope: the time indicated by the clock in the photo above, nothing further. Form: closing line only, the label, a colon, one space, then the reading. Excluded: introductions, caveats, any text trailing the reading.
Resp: 4:25
